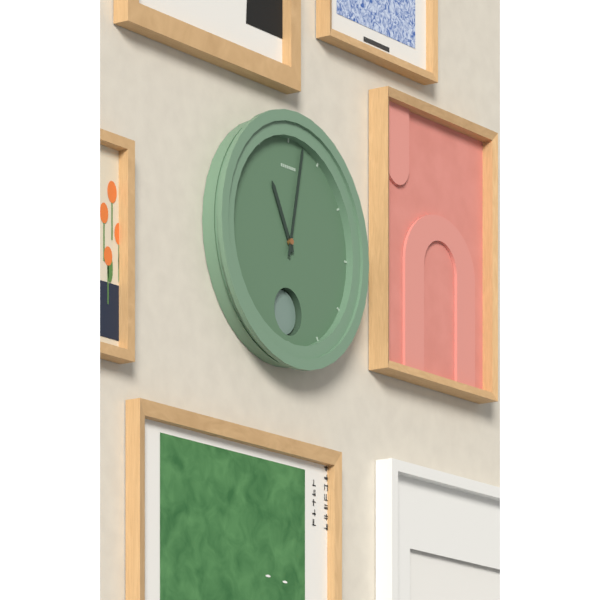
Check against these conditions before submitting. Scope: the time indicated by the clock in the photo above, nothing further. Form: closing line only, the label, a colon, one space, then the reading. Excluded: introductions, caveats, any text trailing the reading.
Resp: 11:02
